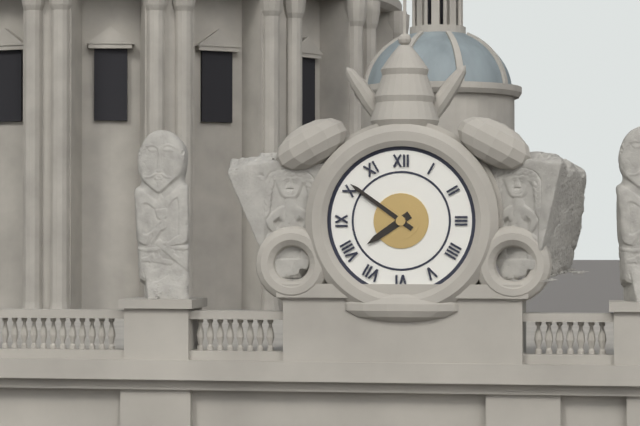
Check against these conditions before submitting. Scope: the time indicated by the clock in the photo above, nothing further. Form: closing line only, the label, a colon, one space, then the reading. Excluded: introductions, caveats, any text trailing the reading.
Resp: 7:51
